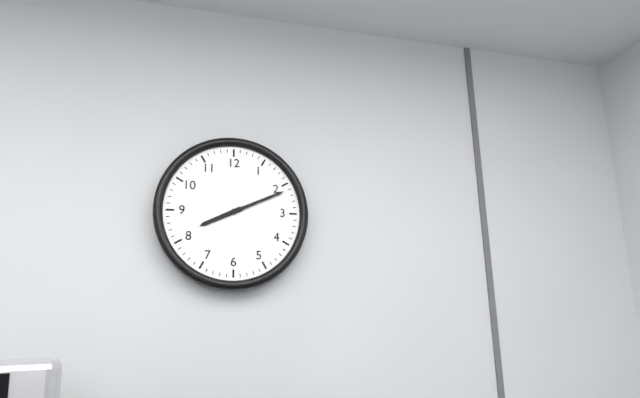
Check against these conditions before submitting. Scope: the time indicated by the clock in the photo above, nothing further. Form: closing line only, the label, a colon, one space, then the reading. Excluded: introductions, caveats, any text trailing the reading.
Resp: 8:11
